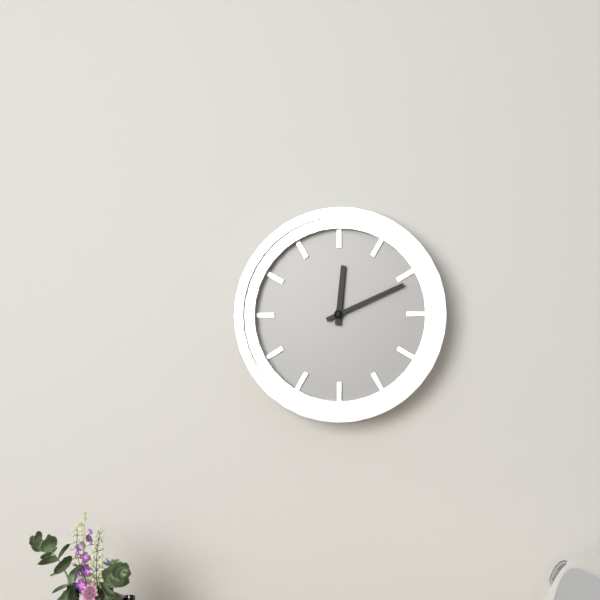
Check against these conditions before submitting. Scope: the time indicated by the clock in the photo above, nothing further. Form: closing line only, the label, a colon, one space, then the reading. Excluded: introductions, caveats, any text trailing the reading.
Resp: 12:11
